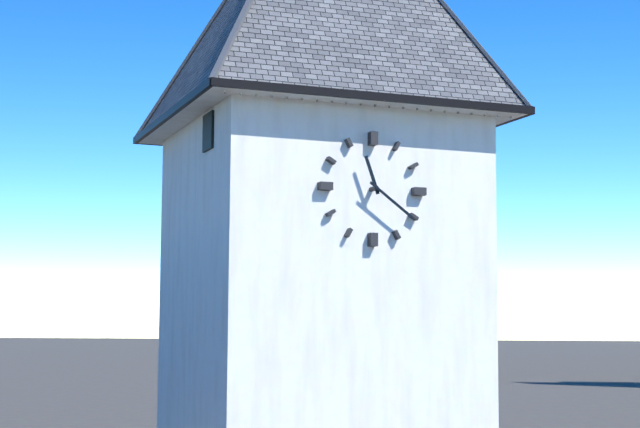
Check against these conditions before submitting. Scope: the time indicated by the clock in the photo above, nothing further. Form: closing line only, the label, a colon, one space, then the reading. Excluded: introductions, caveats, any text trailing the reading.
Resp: 11:21
